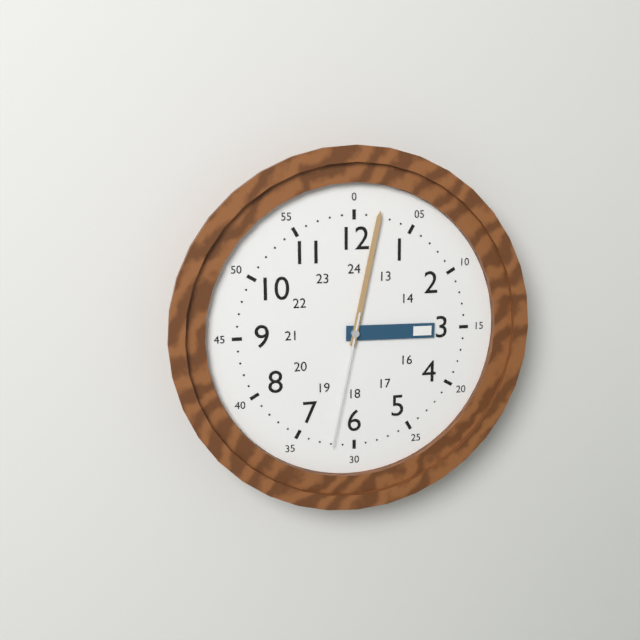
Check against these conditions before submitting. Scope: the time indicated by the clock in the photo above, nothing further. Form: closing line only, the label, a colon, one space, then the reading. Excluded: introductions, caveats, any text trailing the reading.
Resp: 3:02:32
